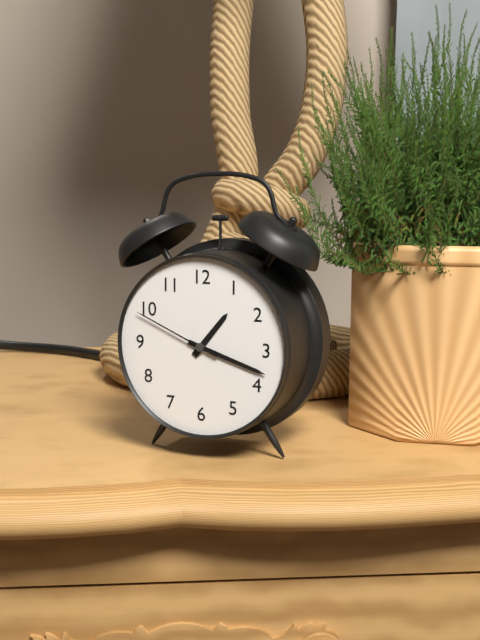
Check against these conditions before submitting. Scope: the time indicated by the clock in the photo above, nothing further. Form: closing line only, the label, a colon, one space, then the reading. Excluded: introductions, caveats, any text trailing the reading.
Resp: 1:18:49
